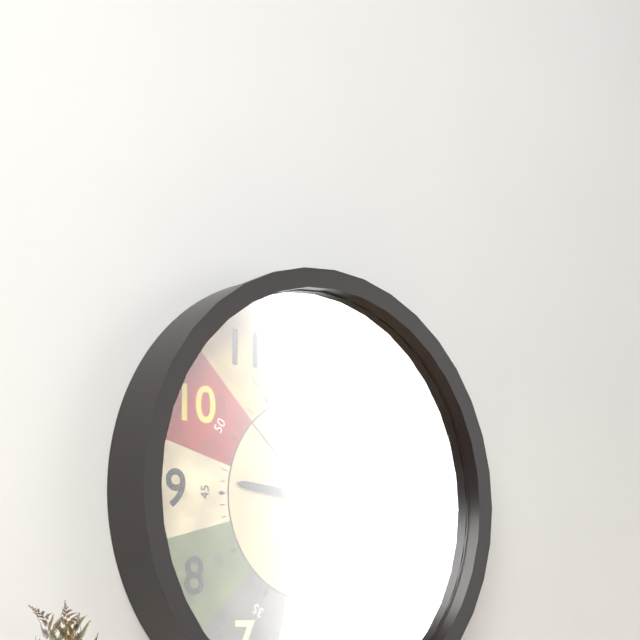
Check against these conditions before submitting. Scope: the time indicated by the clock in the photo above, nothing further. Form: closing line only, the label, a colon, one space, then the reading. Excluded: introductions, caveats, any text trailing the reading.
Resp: 9:13:52
